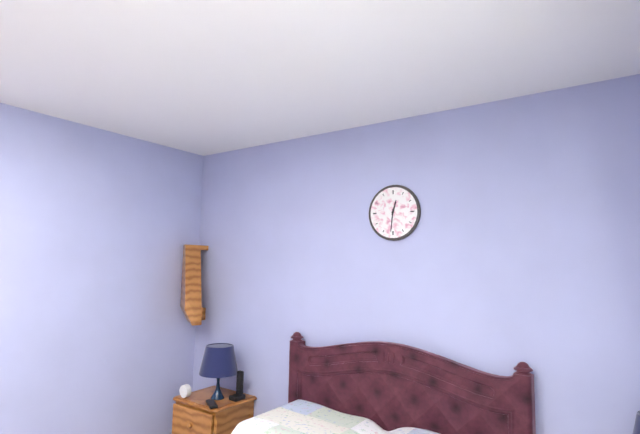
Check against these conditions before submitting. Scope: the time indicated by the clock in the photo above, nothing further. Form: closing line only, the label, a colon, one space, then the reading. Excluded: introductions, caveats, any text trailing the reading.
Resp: 12:31
